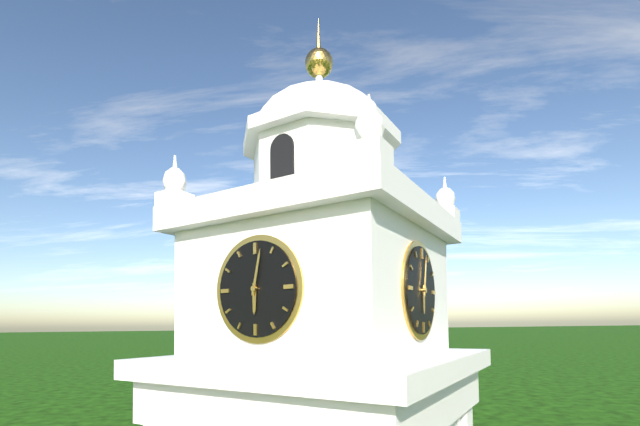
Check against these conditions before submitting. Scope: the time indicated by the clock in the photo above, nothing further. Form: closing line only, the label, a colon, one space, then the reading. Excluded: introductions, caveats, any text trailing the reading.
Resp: 6:02
